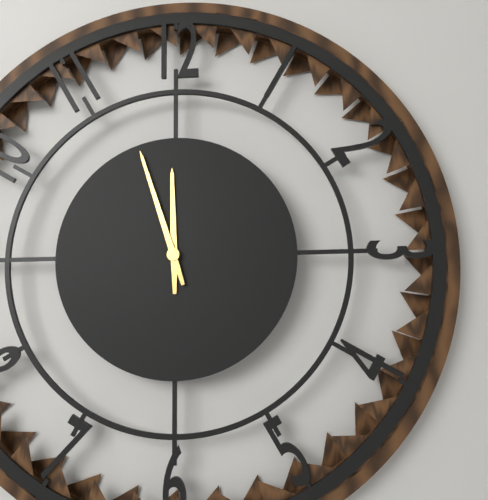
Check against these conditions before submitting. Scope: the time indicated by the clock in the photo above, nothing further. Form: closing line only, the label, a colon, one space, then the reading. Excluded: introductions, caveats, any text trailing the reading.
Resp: 11:57
